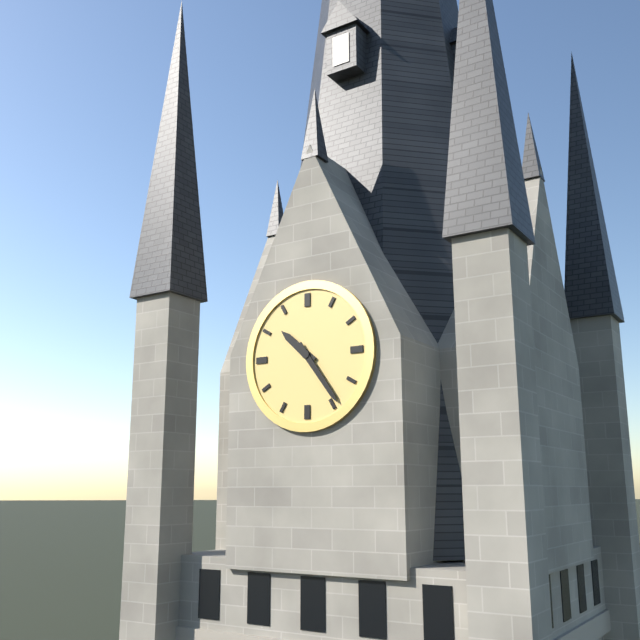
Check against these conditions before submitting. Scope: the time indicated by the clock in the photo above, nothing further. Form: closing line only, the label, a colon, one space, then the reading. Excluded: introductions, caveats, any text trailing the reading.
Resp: 10:24
